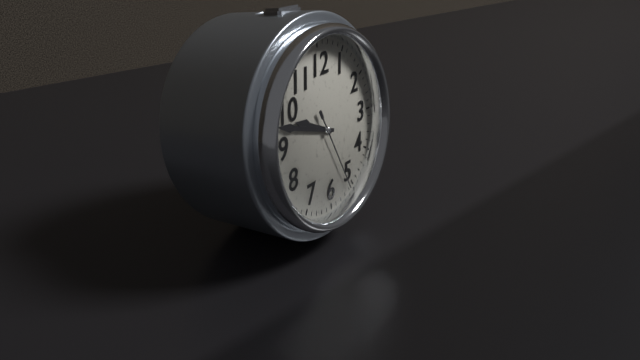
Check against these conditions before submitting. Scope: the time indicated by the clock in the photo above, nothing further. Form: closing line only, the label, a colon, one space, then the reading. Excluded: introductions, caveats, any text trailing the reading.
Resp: 9:48:26
